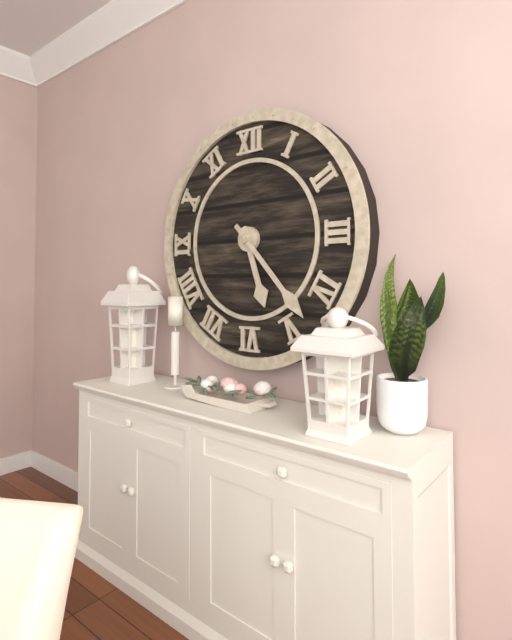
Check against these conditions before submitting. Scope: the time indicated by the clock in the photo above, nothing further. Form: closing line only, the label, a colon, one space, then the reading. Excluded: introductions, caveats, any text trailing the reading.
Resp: 5:23
